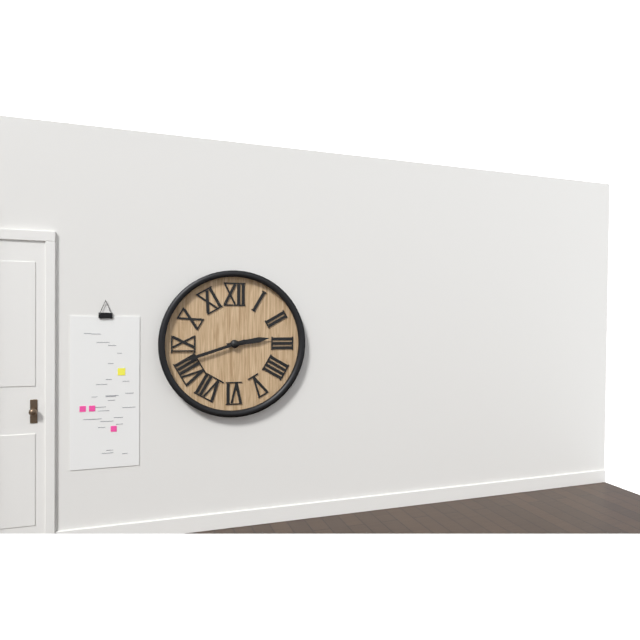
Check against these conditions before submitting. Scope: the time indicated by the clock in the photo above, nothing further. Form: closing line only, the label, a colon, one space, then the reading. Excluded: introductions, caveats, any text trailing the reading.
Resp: 2:42
